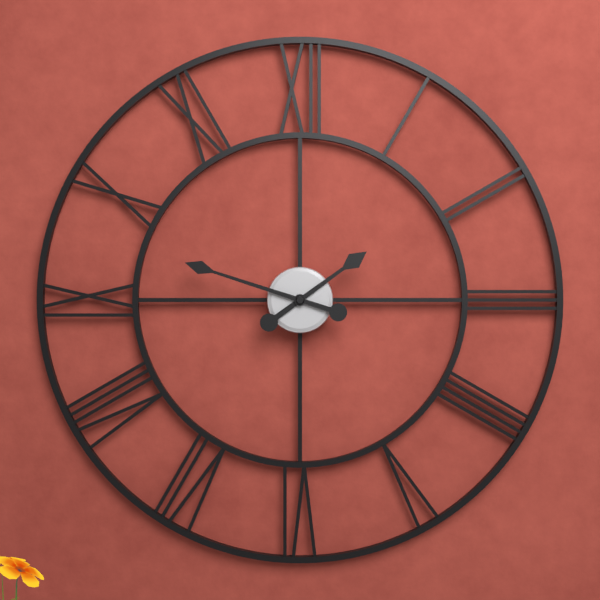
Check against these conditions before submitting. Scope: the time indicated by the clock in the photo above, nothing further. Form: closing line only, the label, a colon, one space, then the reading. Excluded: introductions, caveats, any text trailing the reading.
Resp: 1:48
